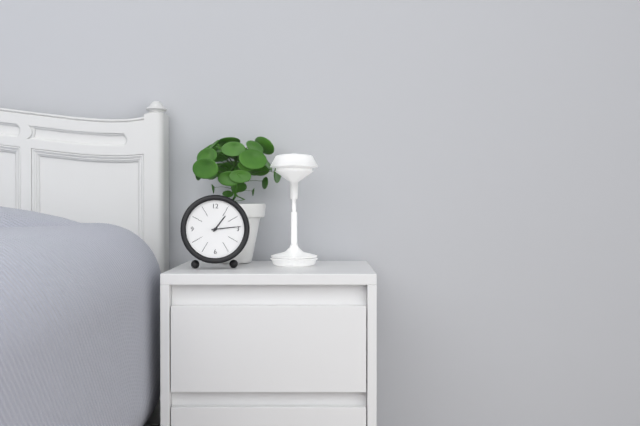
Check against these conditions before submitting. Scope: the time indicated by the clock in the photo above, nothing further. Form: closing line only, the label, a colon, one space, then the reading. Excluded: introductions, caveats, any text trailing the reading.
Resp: 1:14
